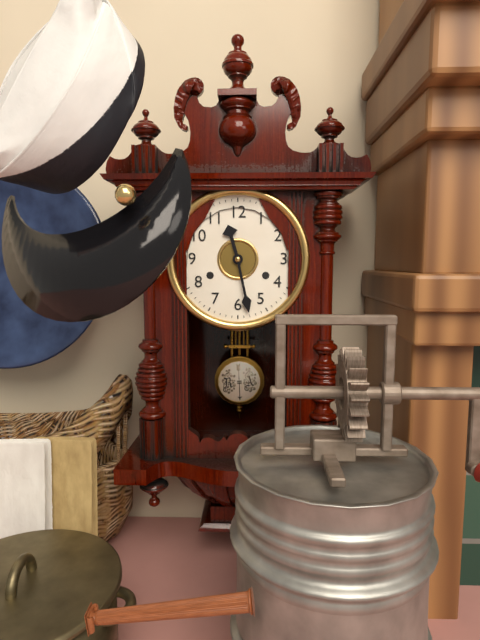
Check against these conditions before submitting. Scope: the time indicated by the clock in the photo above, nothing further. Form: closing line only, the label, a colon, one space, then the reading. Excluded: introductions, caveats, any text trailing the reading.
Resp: 11:28
